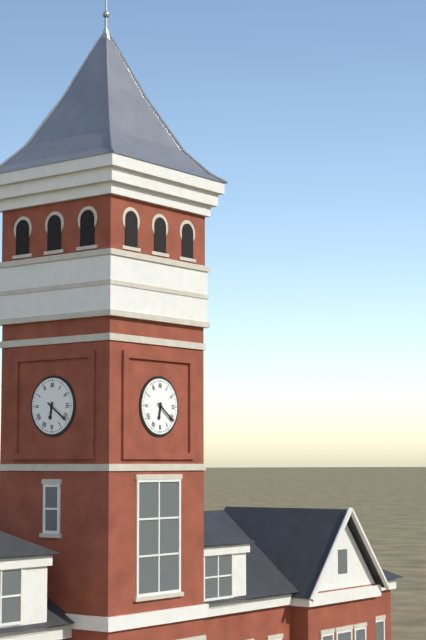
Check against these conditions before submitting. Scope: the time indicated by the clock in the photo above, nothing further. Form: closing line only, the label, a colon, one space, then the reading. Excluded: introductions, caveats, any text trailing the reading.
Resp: 6:21
